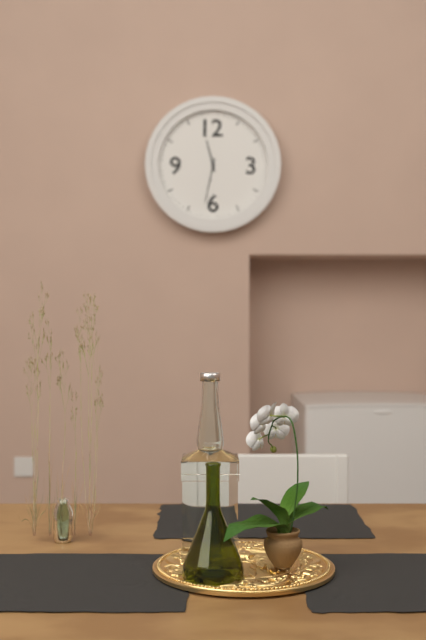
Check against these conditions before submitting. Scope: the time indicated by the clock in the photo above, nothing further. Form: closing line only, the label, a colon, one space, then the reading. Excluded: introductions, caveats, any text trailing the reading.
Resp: 11:32
